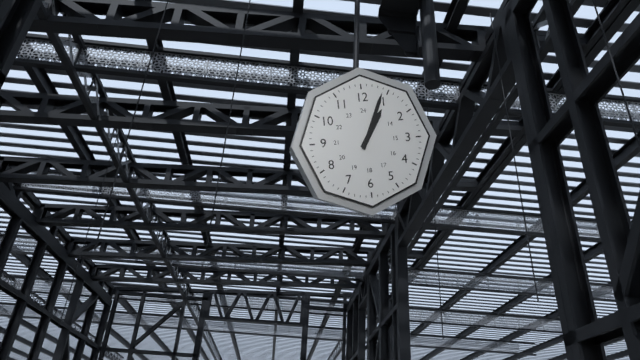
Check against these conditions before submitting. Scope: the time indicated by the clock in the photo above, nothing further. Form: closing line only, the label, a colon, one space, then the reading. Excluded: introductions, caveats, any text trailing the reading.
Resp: 1:04
